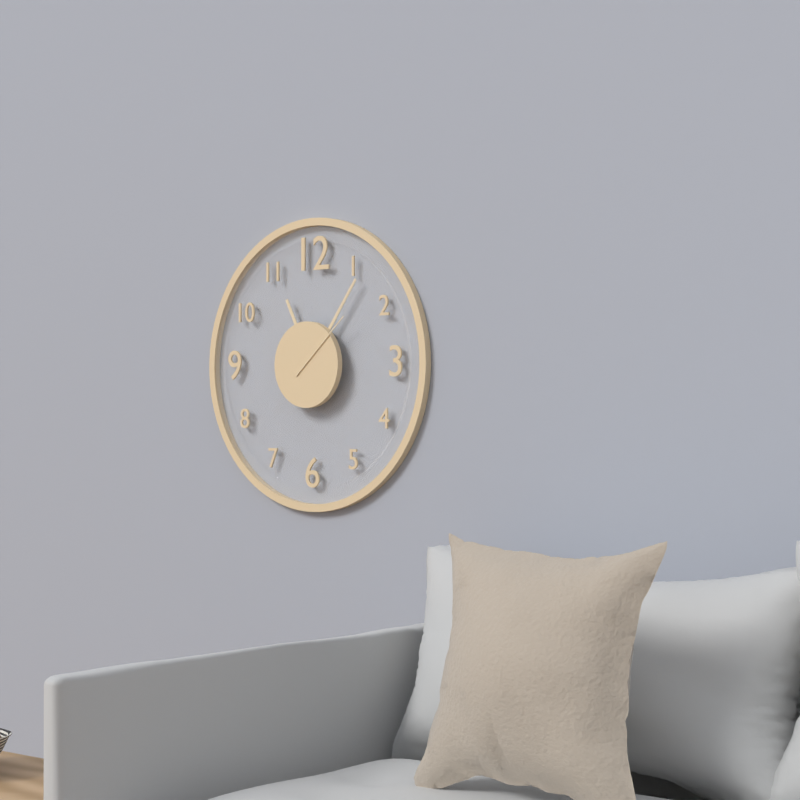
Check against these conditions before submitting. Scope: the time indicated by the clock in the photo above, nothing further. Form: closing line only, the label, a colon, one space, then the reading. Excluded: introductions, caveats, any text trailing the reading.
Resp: 11:06:08
